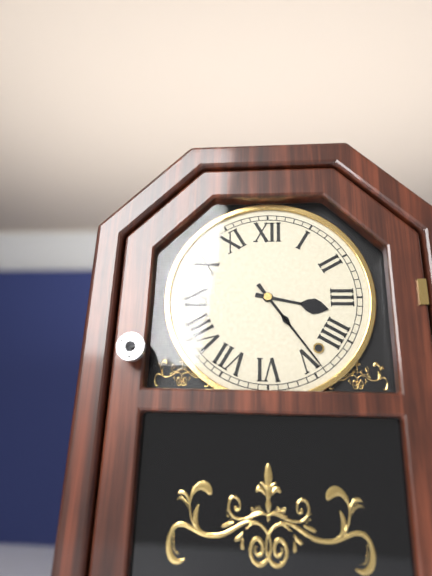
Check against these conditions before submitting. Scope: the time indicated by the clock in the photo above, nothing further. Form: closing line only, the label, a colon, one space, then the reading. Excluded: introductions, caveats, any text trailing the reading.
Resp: 3:24
